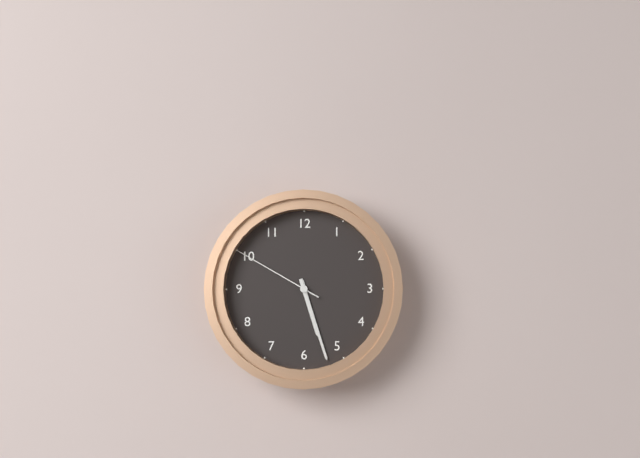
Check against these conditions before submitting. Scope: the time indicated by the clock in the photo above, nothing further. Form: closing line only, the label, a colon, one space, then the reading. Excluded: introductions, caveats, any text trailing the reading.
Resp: 5:27:50
